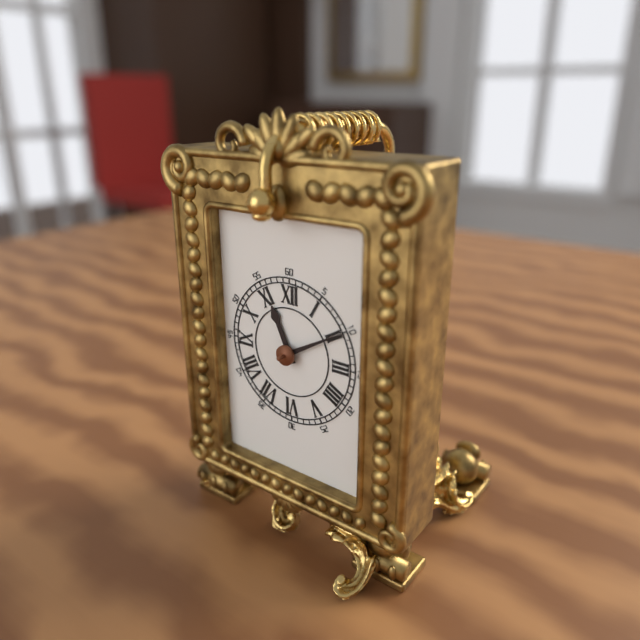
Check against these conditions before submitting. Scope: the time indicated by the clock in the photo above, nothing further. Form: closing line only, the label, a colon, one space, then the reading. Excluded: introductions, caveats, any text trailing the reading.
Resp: 11:10
